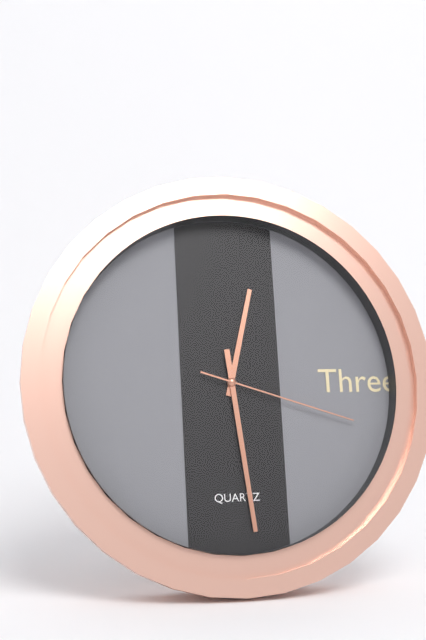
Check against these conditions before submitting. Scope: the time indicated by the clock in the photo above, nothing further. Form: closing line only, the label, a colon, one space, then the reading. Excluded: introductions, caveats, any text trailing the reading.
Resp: 12:29:18
